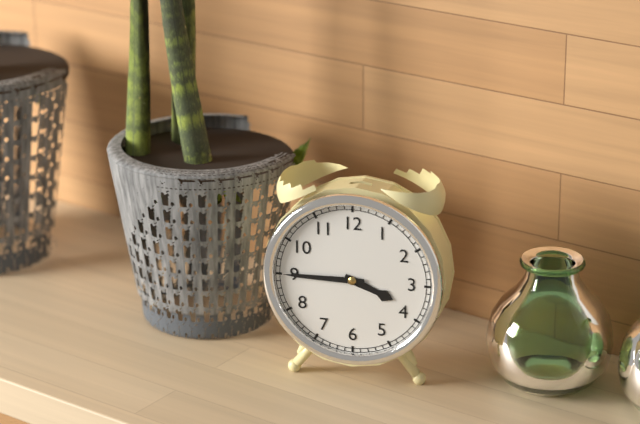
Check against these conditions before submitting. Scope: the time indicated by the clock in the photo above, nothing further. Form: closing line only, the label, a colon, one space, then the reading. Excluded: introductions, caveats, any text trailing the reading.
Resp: 3:45
